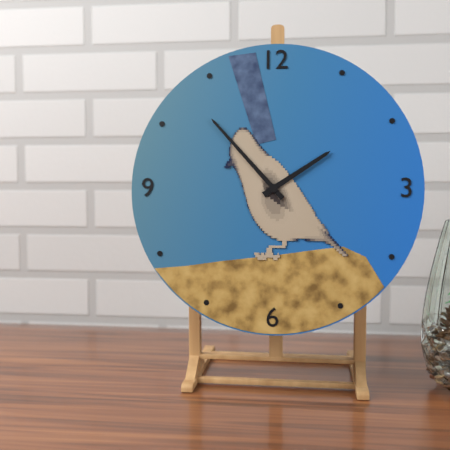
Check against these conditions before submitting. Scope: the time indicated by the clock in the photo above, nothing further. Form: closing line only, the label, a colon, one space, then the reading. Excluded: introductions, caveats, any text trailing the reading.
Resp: 1:53
